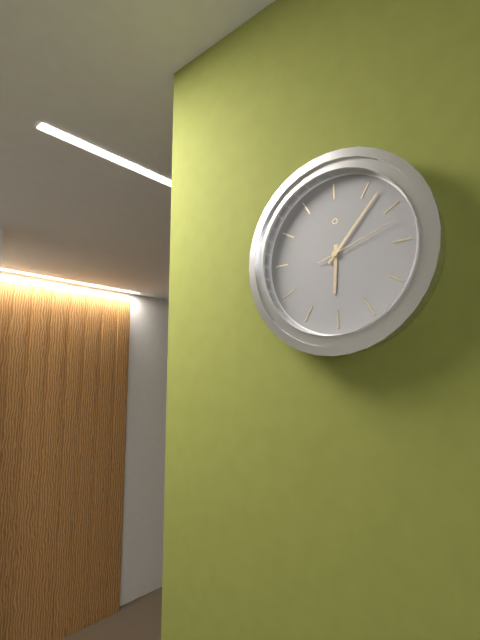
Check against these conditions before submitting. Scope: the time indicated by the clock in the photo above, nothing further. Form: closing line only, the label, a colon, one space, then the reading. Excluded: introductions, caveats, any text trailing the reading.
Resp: 6:07:12
